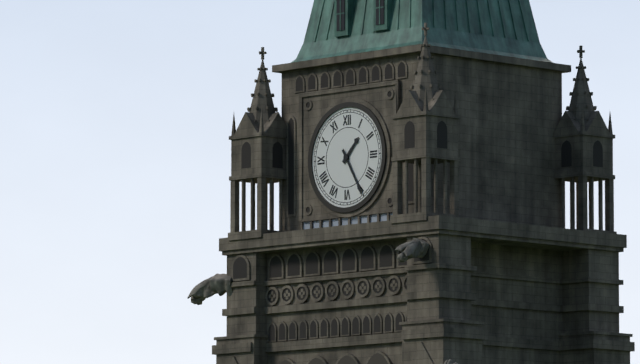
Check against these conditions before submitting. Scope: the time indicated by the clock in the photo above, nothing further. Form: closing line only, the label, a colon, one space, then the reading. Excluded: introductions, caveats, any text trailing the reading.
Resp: 1:25
